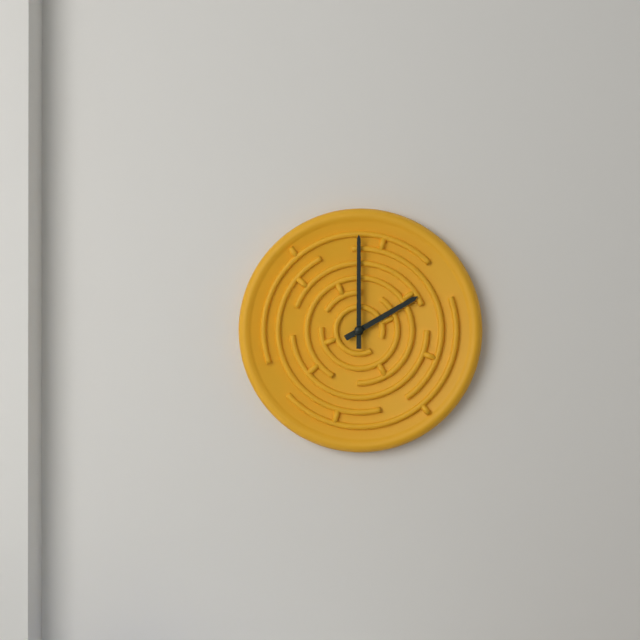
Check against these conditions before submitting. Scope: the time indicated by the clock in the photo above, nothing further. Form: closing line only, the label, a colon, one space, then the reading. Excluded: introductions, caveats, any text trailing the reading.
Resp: 2:00
